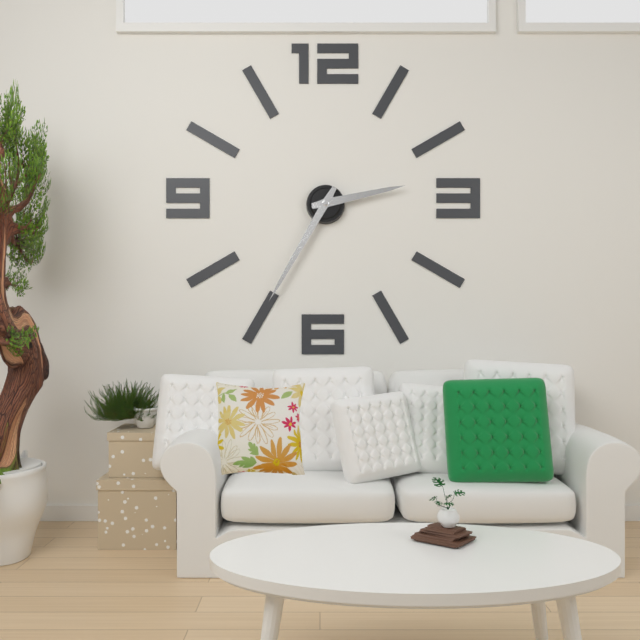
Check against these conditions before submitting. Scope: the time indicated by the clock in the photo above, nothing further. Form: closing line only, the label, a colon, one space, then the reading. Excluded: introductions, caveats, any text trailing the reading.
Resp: 2:35
